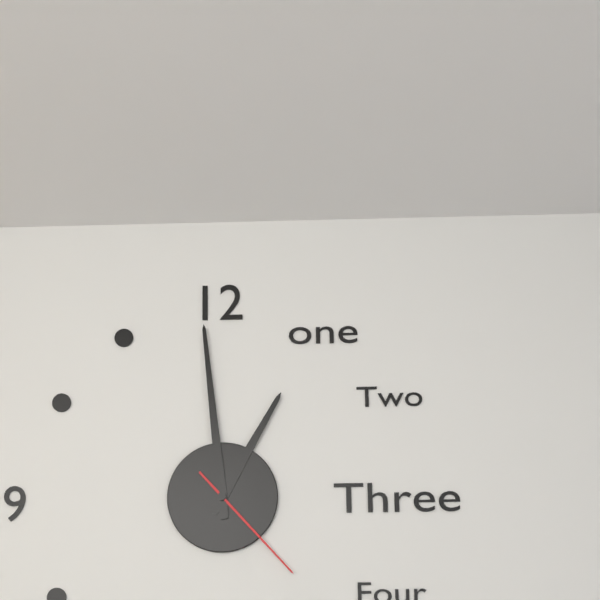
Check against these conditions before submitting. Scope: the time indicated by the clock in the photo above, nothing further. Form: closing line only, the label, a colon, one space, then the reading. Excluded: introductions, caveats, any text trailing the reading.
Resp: 12:59:23
